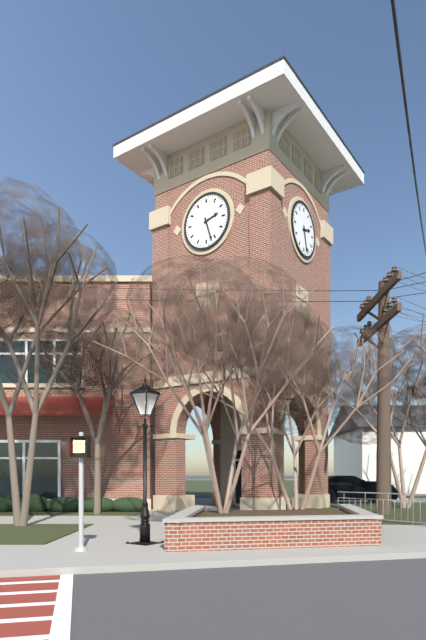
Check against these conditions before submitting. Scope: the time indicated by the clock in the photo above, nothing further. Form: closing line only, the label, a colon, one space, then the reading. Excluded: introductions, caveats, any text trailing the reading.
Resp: 2:27
